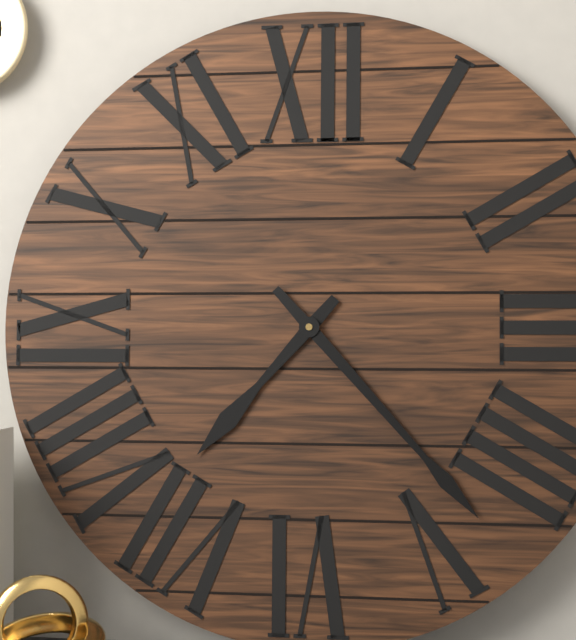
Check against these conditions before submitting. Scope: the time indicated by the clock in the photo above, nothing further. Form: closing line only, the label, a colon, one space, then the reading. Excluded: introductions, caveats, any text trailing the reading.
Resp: 7:23
